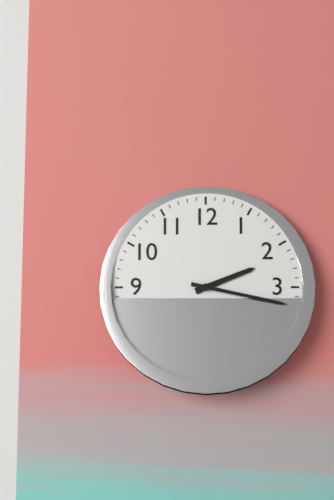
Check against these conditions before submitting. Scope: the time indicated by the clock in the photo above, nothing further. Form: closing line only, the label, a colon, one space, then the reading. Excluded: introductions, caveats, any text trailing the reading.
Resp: 2:17
